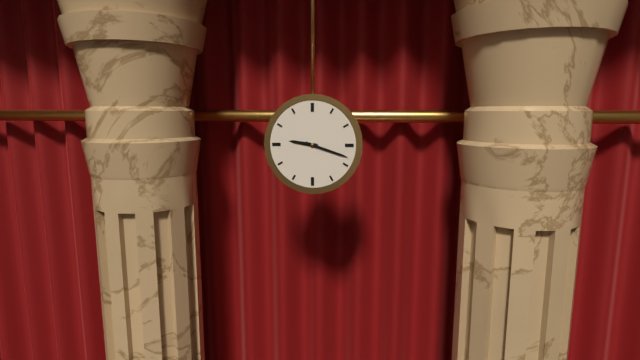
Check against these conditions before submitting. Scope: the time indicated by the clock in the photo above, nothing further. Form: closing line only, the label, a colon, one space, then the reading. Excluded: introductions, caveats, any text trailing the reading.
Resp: 9:18
